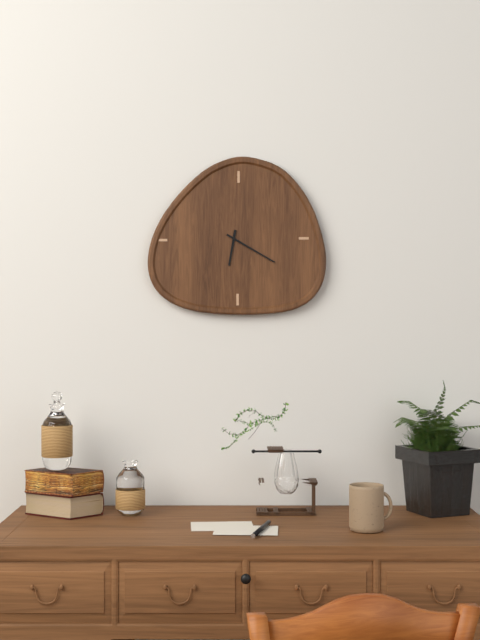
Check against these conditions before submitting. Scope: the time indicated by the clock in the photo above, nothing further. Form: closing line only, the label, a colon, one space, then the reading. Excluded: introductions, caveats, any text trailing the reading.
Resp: 6:20
